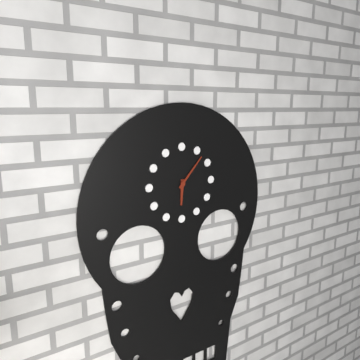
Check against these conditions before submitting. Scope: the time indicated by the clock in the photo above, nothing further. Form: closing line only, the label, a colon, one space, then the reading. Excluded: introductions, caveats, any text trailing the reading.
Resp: 6:07
